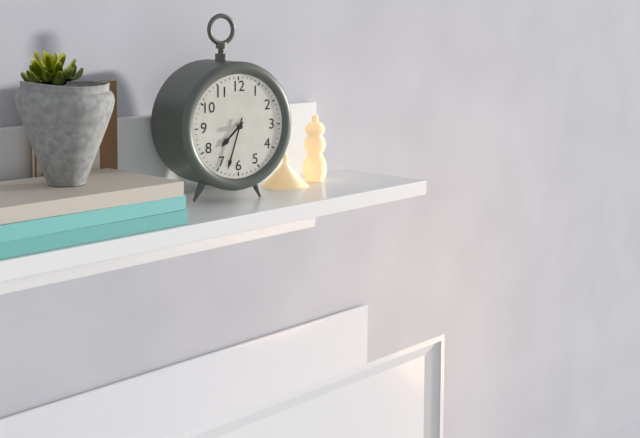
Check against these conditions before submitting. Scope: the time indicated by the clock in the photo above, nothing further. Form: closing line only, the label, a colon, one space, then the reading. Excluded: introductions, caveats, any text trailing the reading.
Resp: 7:33
